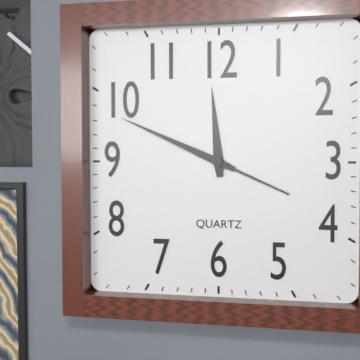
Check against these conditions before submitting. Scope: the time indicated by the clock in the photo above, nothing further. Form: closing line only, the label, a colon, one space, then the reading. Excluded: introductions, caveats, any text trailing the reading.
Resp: 11:49:19
